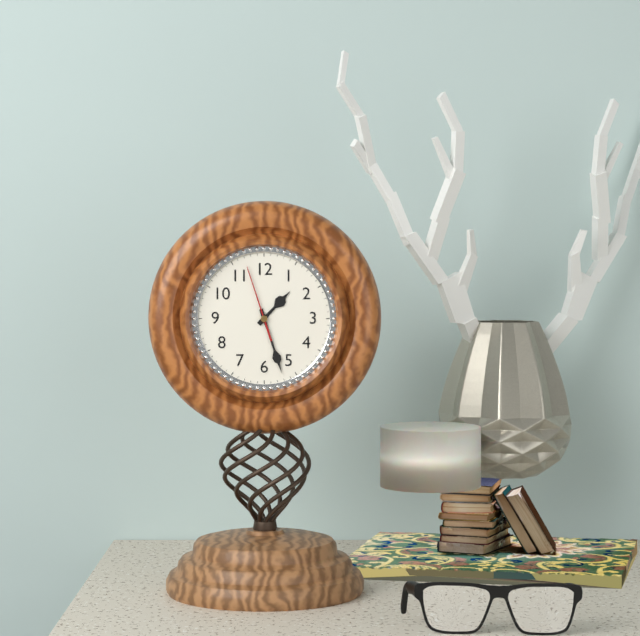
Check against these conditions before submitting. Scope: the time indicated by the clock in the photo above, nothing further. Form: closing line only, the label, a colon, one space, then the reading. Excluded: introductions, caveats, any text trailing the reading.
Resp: 1:27:57
